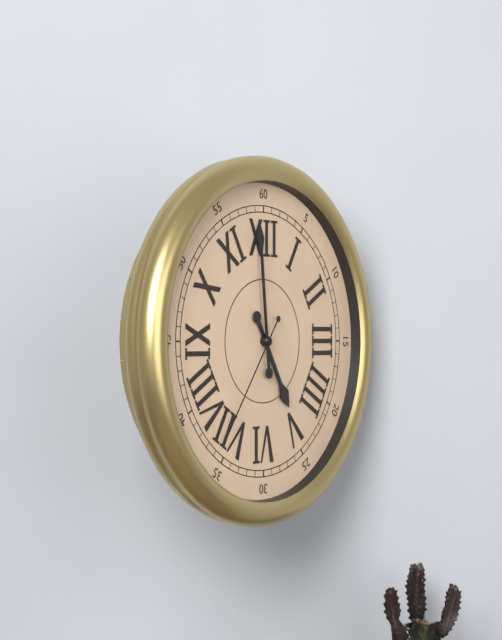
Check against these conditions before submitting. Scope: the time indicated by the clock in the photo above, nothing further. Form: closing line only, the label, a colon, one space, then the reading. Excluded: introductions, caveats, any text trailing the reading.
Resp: 4:59:36
